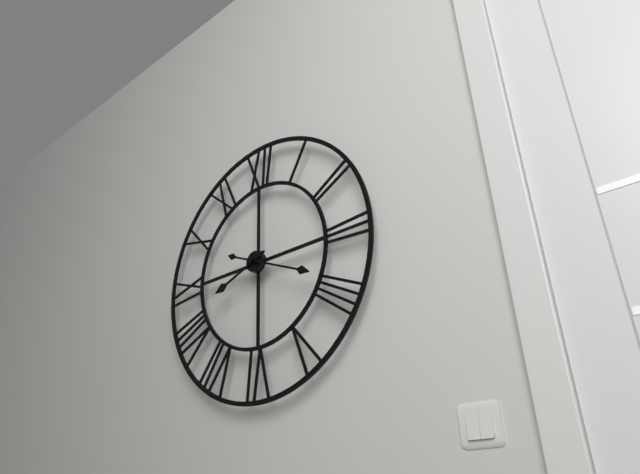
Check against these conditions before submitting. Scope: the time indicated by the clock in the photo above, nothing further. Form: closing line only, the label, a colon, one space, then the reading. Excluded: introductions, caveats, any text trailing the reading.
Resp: 8:19
